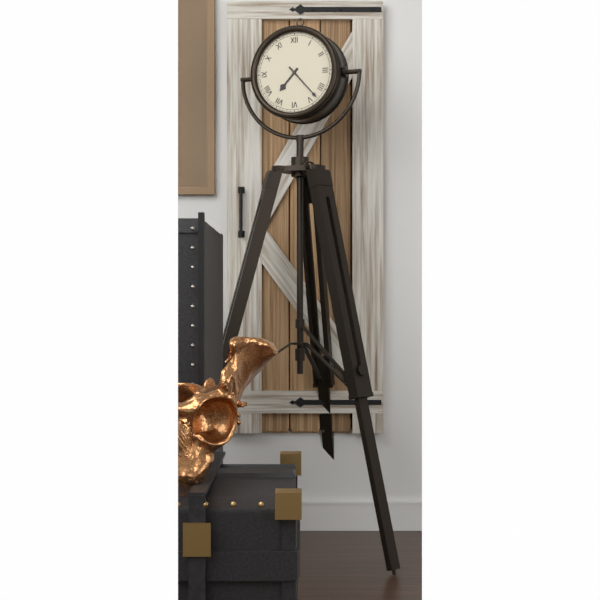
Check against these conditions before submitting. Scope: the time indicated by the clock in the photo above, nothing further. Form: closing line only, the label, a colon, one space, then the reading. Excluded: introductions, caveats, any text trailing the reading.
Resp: 7:23
